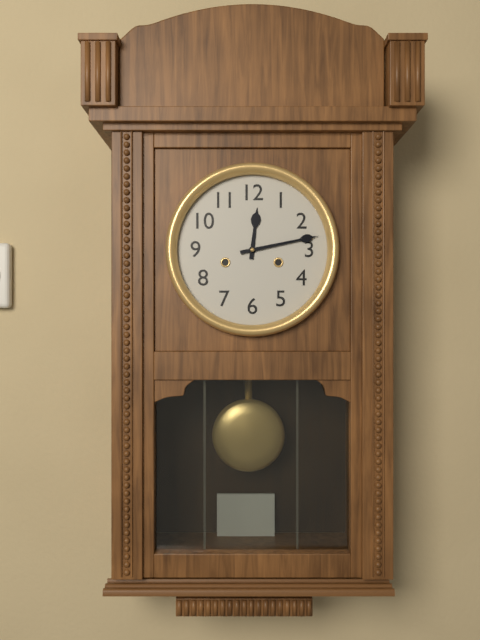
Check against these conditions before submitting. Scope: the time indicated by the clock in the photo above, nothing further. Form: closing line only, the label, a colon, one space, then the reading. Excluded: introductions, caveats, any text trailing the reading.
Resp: 12:13
